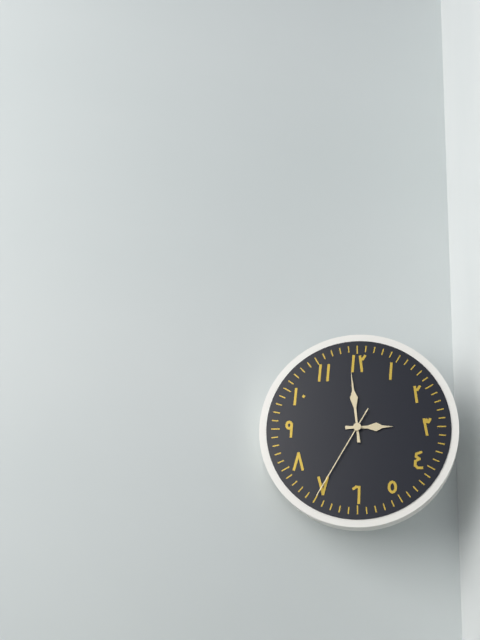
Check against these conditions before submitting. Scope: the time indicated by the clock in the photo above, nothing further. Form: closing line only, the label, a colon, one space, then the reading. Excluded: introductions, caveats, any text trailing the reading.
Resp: 2:59:35
